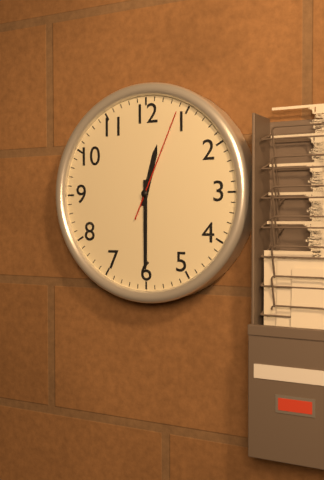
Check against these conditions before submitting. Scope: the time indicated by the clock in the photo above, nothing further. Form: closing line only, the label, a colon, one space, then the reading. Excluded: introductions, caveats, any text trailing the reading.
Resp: 12:30:04
